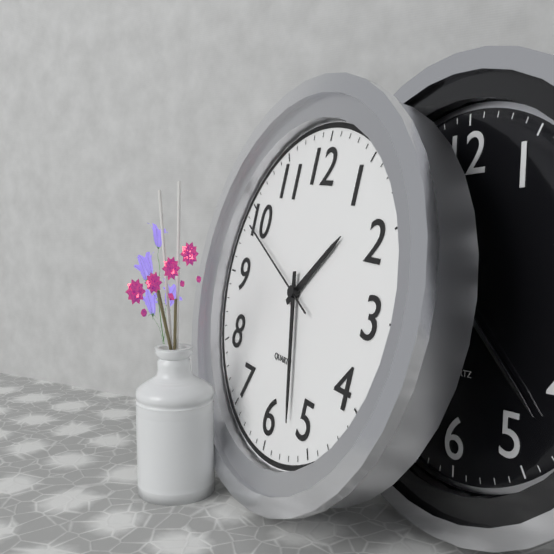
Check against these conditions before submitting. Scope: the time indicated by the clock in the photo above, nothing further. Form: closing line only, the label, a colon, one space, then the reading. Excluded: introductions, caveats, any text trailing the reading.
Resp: 1:27:49
